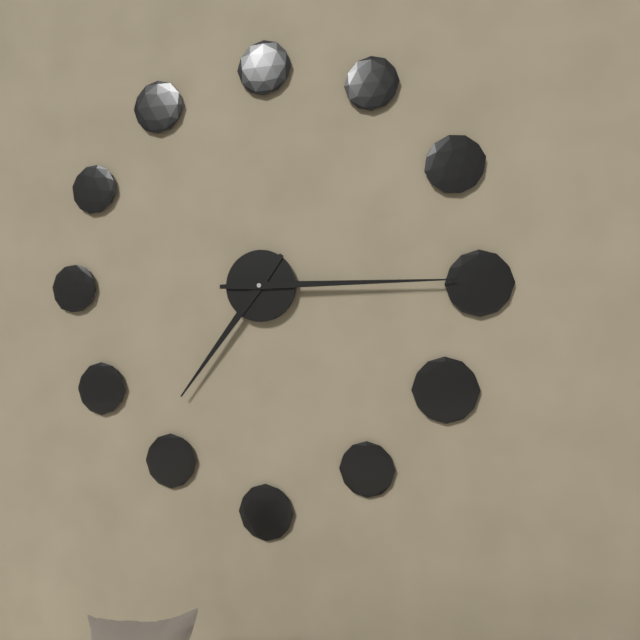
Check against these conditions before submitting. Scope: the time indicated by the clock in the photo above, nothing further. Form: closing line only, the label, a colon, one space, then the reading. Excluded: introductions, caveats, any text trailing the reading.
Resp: 7:15
